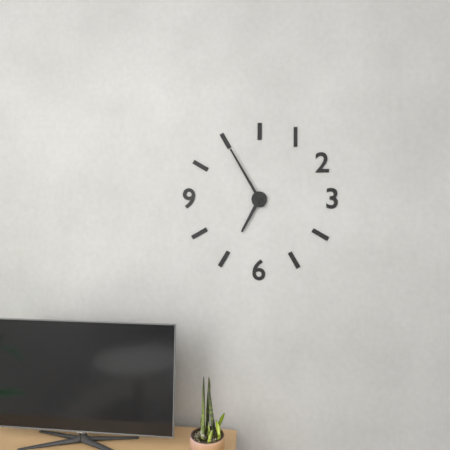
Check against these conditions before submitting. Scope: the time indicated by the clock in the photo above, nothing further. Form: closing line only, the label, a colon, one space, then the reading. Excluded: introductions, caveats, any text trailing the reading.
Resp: 6:55
